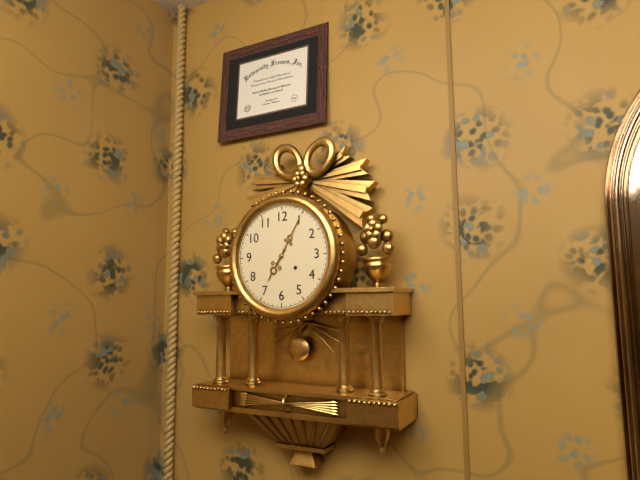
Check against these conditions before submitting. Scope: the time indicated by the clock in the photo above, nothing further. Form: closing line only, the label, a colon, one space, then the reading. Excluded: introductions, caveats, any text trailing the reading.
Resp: 7:05
